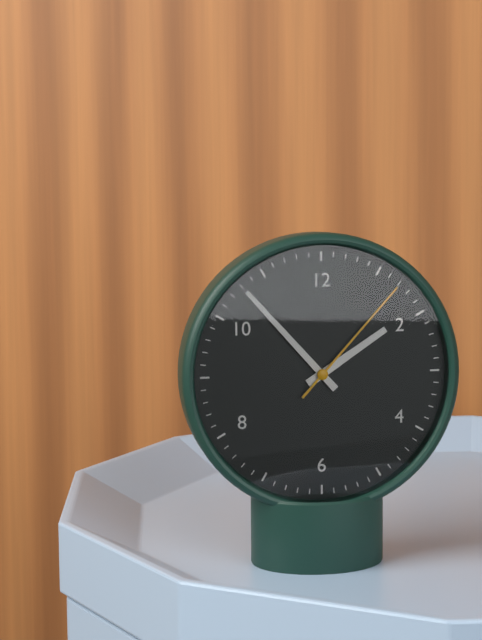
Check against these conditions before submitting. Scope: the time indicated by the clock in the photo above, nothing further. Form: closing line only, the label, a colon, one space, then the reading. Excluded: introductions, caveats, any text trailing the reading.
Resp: 1:53:07
